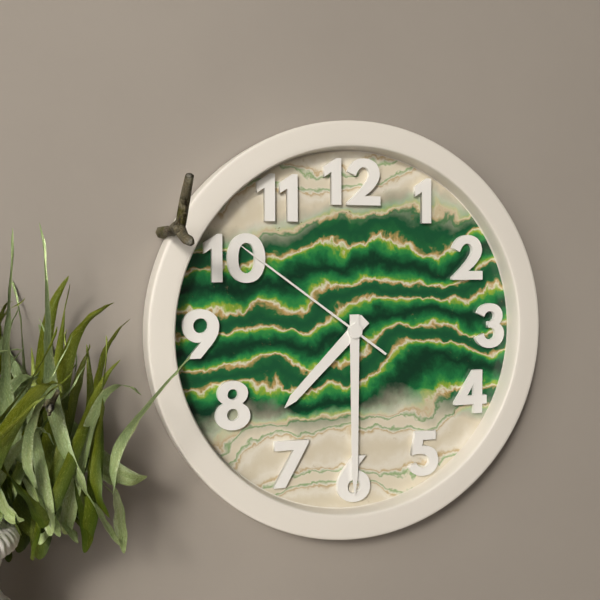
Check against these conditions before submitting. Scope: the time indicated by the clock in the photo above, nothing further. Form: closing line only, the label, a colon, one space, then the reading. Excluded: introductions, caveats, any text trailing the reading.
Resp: 7:30:51
